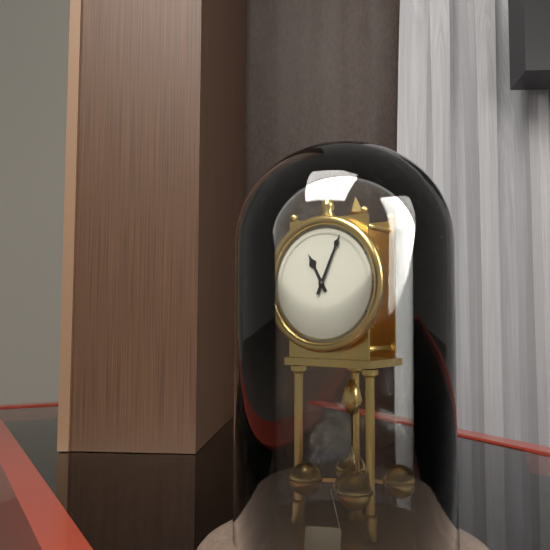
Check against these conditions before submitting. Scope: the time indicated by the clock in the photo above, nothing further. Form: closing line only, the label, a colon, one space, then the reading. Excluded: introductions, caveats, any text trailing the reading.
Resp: 11:04
